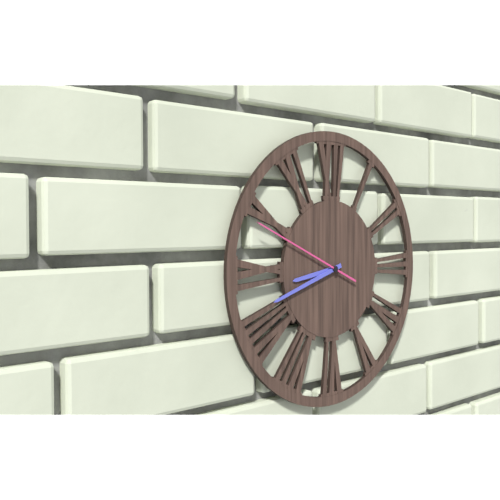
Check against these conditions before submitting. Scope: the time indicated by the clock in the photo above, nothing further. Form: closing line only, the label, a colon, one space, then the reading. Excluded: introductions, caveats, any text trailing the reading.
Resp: 8:42:49
